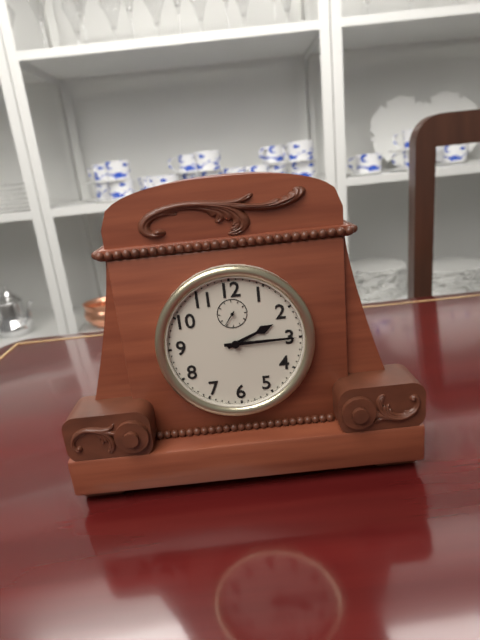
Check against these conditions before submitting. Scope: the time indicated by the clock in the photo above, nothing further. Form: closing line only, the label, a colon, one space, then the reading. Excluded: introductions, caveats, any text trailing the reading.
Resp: 2:15
